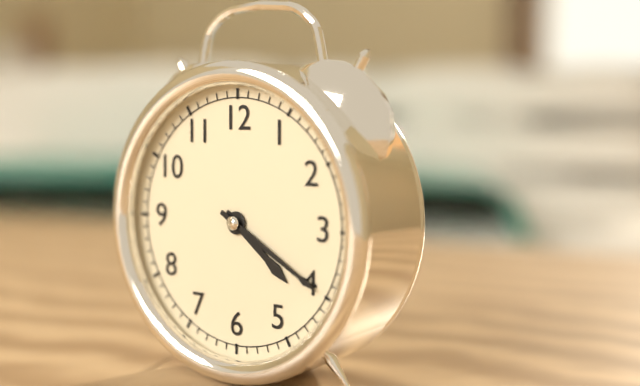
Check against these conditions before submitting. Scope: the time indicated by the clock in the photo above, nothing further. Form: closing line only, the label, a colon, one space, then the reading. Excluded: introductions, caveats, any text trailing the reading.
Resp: 4:20
